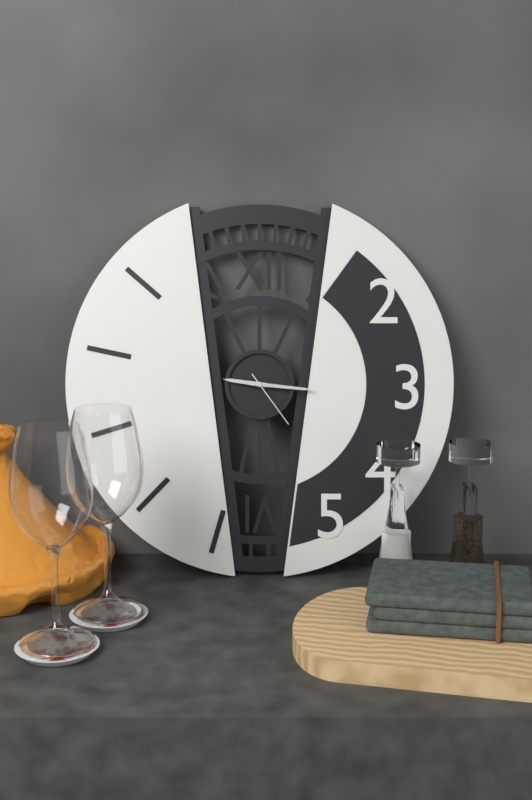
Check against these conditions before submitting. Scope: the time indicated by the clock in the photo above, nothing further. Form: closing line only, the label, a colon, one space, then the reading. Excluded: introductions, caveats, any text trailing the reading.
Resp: 9:16:24
